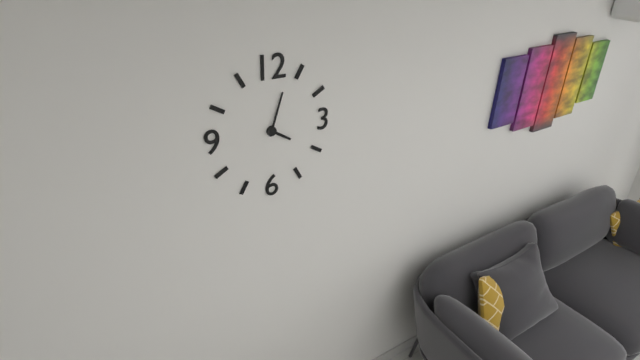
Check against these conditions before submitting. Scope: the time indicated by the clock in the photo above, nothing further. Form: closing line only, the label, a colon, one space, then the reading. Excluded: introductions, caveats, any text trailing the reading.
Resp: 4:03
